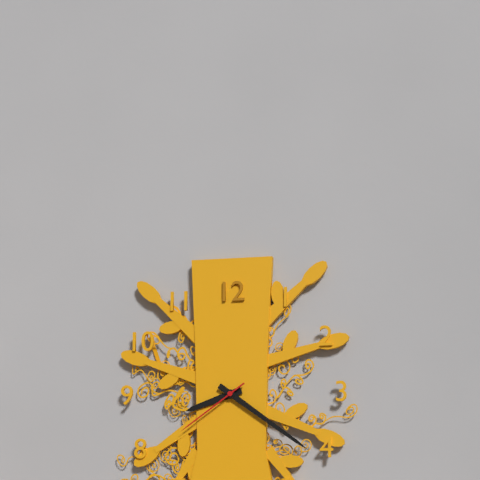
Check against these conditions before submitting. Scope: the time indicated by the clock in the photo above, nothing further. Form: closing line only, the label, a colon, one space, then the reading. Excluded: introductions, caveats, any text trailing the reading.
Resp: 8:21:39
